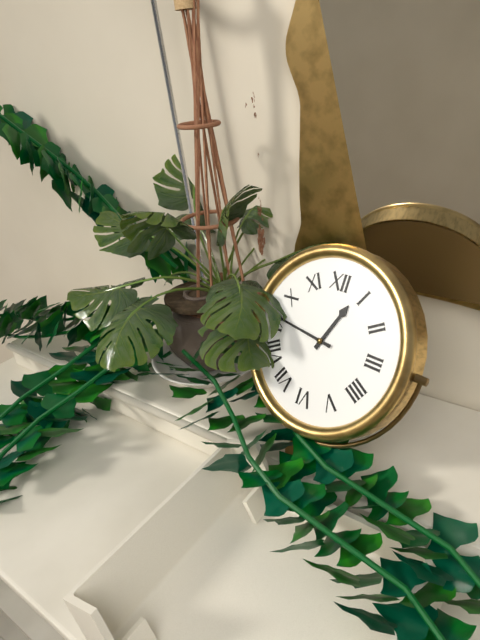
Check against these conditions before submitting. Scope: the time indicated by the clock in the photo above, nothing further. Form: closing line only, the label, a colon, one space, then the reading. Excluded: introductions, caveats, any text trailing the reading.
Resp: 12:46
